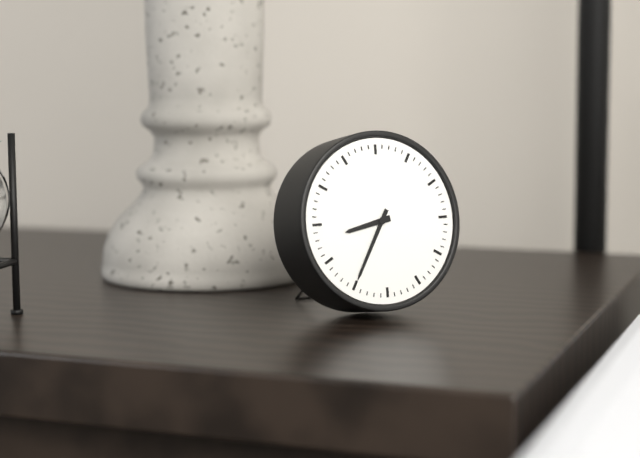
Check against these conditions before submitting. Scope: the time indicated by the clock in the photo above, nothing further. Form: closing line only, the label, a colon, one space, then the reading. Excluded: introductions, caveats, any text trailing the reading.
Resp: 8:35
